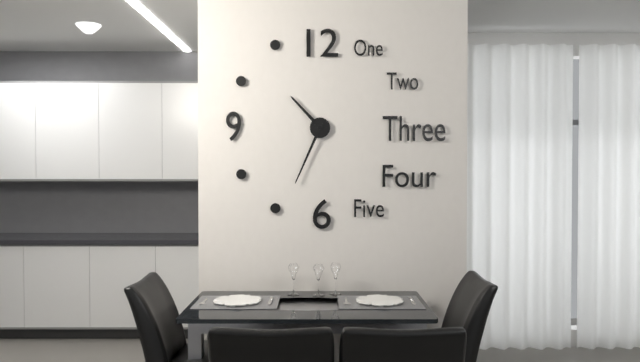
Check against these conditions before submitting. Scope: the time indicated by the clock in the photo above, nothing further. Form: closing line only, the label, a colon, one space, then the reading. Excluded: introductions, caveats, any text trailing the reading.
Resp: 10:34
